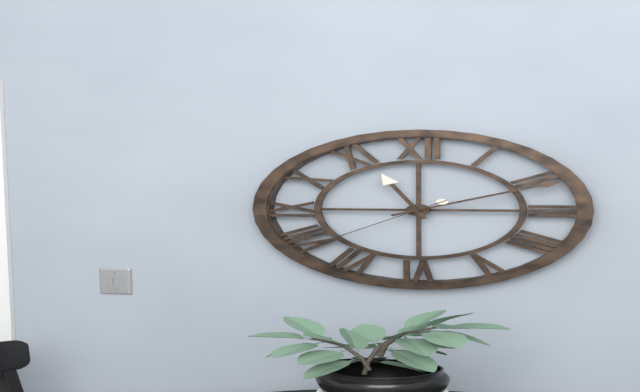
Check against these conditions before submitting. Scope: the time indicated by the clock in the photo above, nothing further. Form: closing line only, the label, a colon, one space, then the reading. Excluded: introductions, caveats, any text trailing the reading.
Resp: 11:11:39
